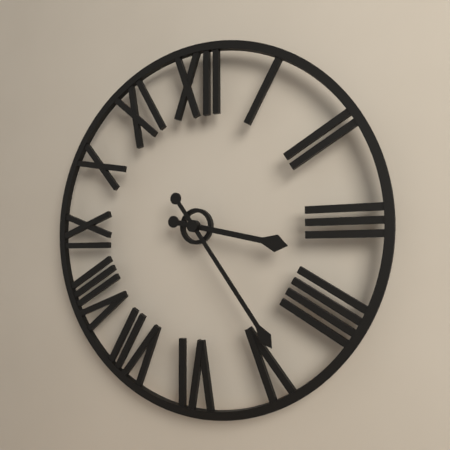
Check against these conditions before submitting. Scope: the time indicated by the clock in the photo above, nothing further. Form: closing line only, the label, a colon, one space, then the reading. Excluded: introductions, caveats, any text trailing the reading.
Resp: 3:24
